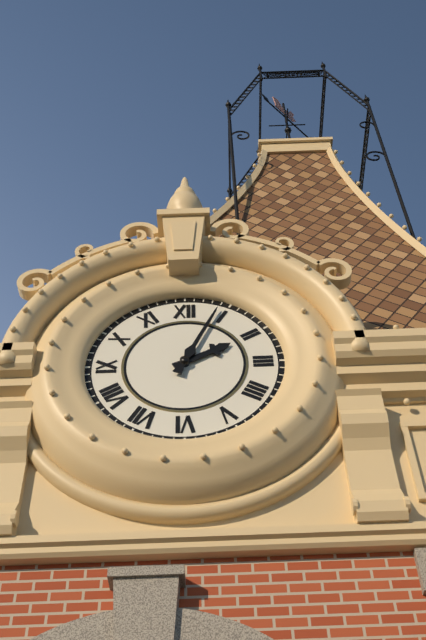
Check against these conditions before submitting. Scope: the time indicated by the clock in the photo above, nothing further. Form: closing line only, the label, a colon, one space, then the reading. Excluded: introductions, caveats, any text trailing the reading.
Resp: 2:04
